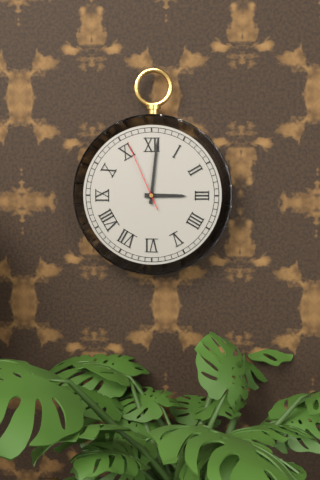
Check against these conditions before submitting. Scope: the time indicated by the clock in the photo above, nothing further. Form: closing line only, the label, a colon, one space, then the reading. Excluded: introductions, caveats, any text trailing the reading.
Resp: 3:01:56
